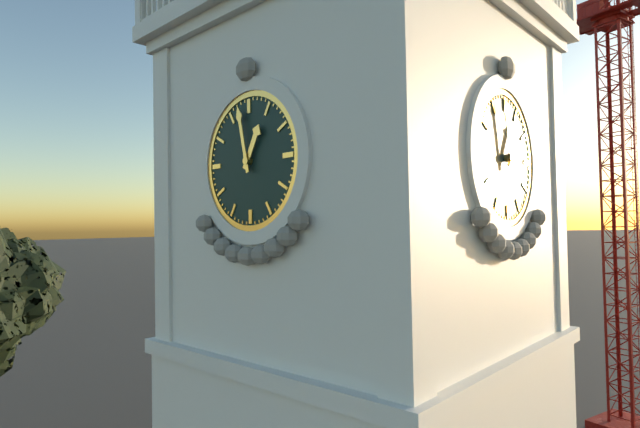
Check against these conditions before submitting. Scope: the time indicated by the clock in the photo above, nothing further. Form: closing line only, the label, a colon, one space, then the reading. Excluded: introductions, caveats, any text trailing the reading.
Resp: 12:58
